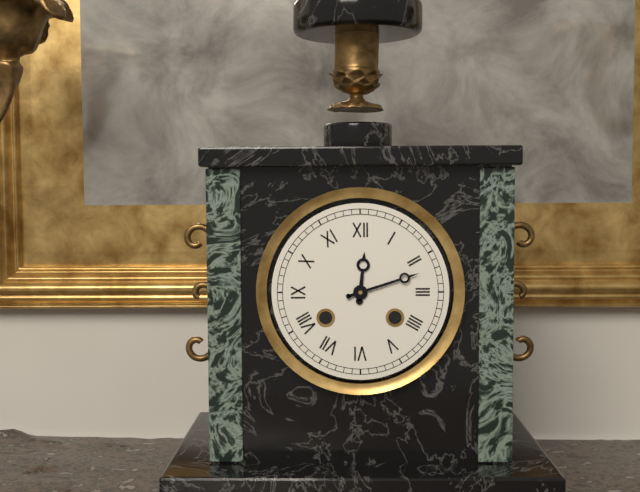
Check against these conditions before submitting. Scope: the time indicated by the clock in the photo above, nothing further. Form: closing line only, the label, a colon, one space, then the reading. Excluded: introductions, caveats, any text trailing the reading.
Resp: 12:12
